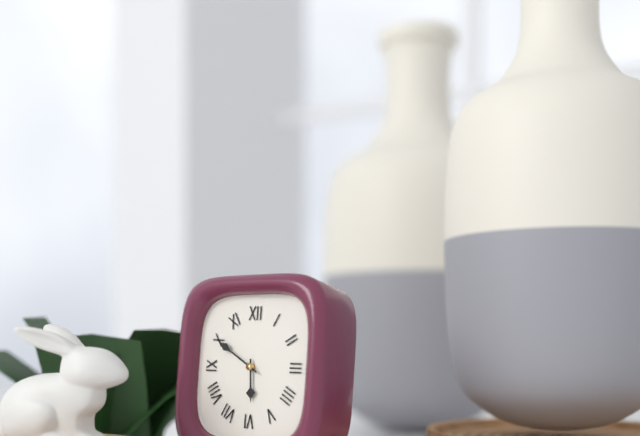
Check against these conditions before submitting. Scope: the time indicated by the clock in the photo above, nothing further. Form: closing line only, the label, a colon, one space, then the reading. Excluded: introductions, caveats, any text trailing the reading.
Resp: 5:50
